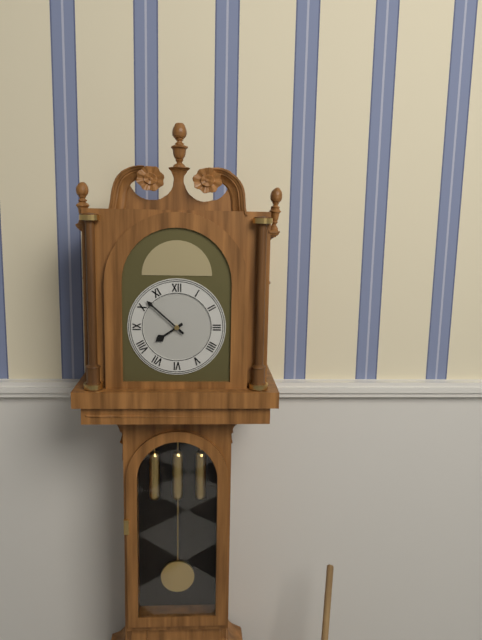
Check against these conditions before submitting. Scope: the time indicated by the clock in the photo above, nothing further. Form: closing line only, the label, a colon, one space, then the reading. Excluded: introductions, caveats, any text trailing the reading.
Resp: 7:52
